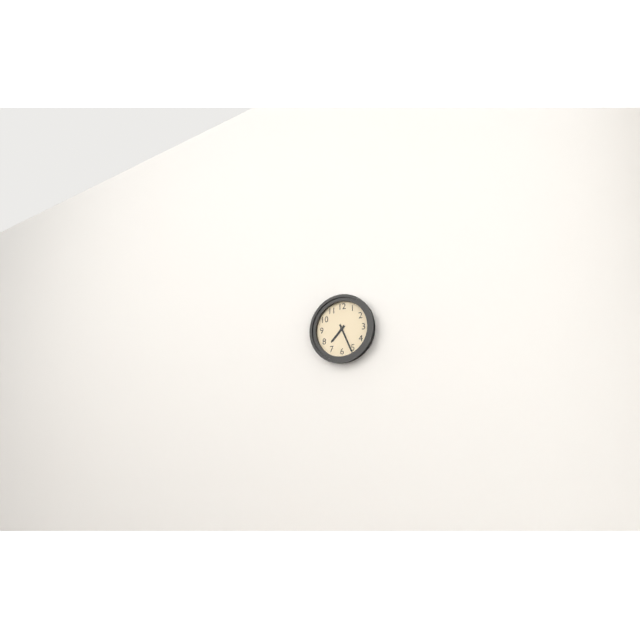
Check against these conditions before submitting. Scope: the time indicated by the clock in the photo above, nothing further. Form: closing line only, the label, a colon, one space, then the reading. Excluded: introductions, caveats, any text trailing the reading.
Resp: 7:26
